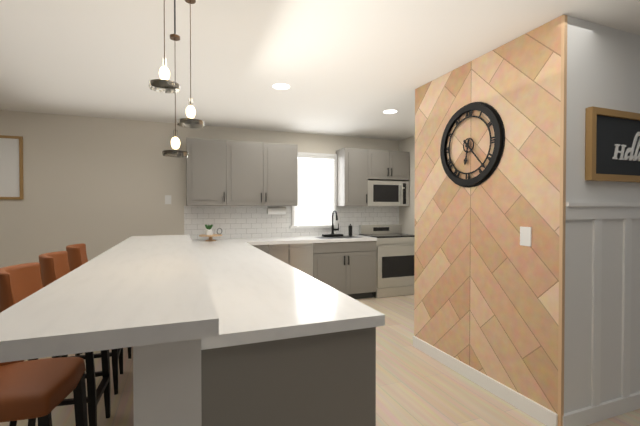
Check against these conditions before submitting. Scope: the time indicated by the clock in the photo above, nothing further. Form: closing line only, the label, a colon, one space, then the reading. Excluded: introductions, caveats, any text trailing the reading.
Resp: 6:23
